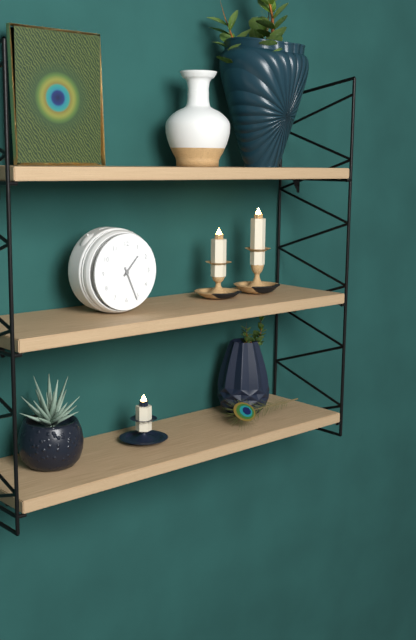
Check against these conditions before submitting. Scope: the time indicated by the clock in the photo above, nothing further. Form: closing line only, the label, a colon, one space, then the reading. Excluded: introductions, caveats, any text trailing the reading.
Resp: 1:26
